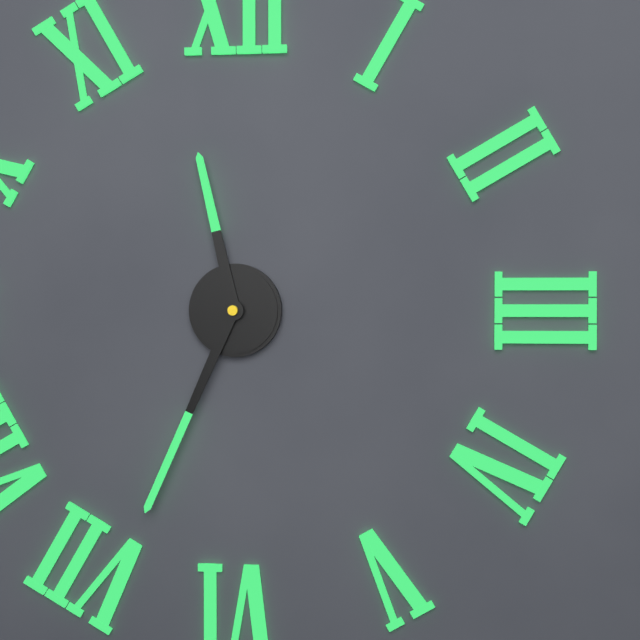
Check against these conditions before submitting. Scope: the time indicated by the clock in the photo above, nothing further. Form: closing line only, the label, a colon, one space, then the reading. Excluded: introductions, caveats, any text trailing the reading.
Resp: 11:34
